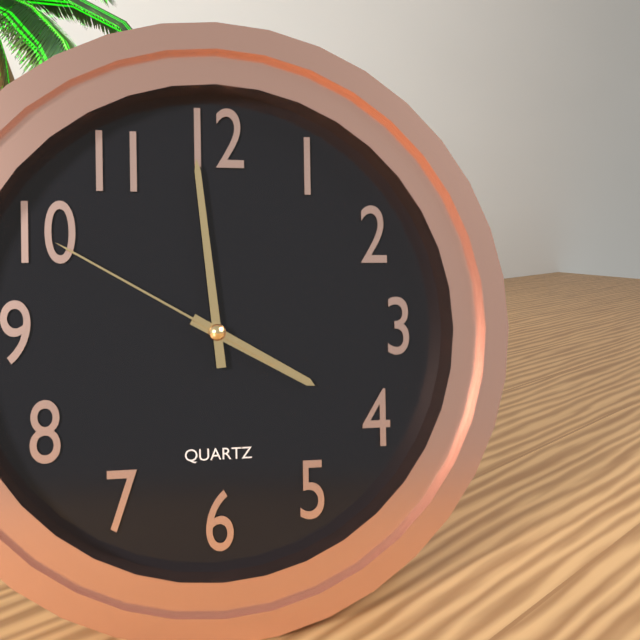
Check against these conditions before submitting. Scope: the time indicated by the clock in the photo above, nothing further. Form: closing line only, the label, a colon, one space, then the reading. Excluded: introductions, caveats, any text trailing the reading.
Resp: 3:59:50
